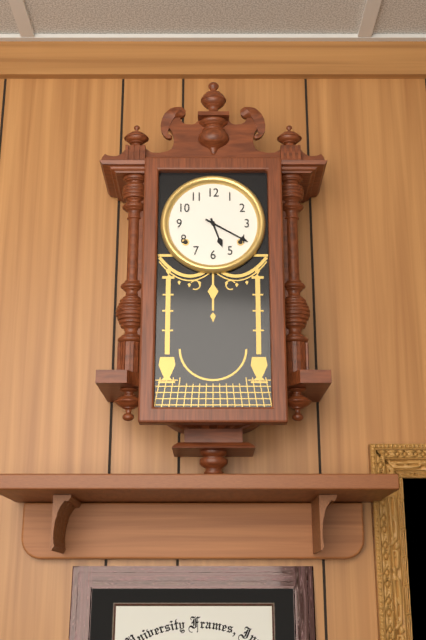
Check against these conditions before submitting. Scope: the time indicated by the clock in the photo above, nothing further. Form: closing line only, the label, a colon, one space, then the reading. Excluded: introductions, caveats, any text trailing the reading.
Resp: 5:20
